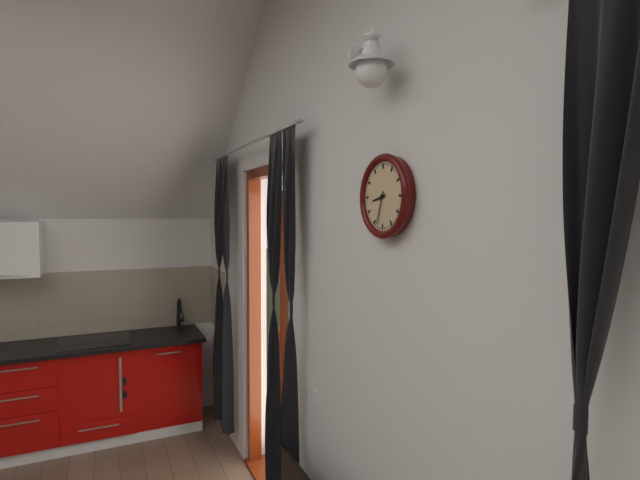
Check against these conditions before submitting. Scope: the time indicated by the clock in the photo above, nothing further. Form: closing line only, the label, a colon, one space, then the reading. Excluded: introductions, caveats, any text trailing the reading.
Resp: 8:33
